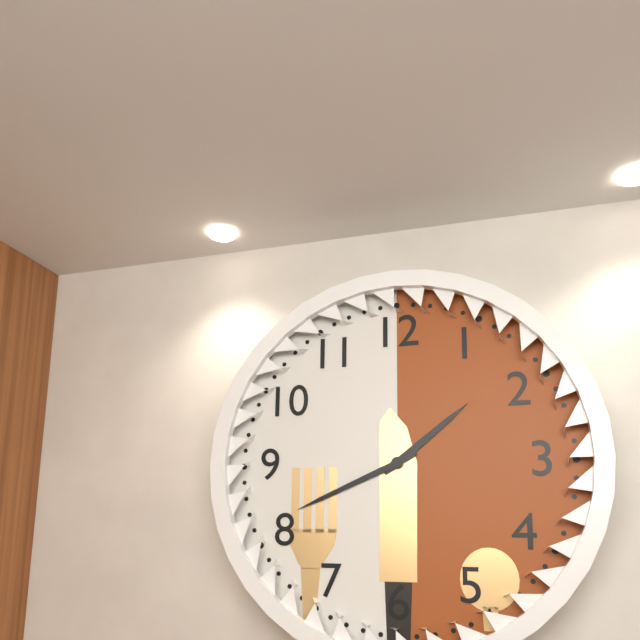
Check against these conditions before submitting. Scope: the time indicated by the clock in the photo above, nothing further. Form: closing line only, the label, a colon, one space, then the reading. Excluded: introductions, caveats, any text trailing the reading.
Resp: 1:41
